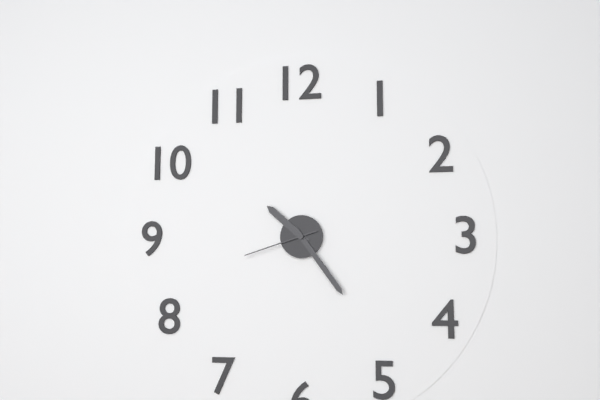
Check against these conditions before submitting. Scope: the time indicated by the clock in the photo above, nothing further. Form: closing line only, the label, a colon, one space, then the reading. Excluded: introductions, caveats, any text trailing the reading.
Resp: 10:24:42
